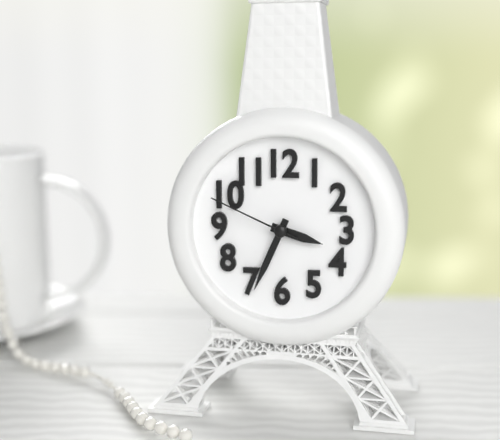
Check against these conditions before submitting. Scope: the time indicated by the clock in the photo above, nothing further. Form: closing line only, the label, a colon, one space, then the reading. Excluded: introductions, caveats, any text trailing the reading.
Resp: 3:34:49
